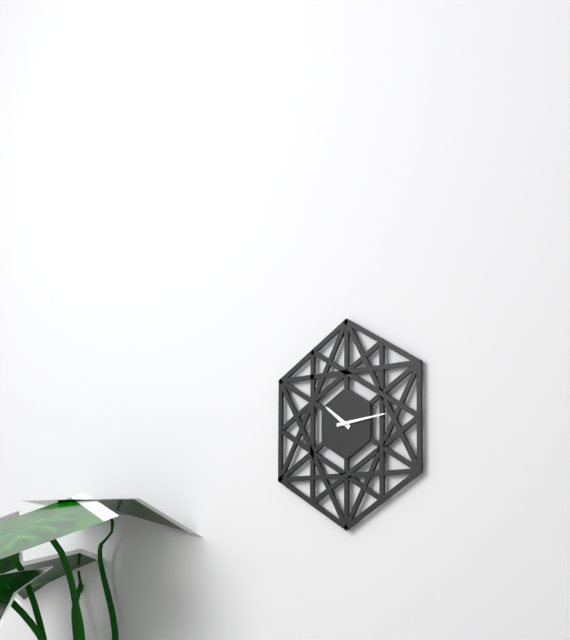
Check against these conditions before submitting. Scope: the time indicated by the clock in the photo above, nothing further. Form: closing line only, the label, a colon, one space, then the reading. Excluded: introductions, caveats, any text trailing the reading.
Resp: 10:14
